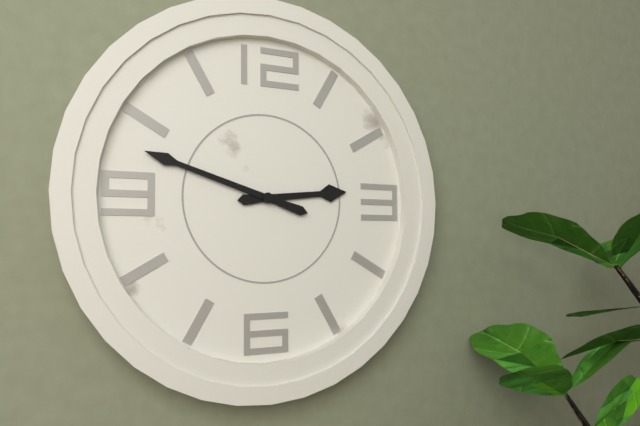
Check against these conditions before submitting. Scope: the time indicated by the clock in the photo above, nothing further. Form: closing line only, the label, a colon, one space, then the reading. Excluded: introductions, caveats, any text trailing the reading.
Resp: 2:48
